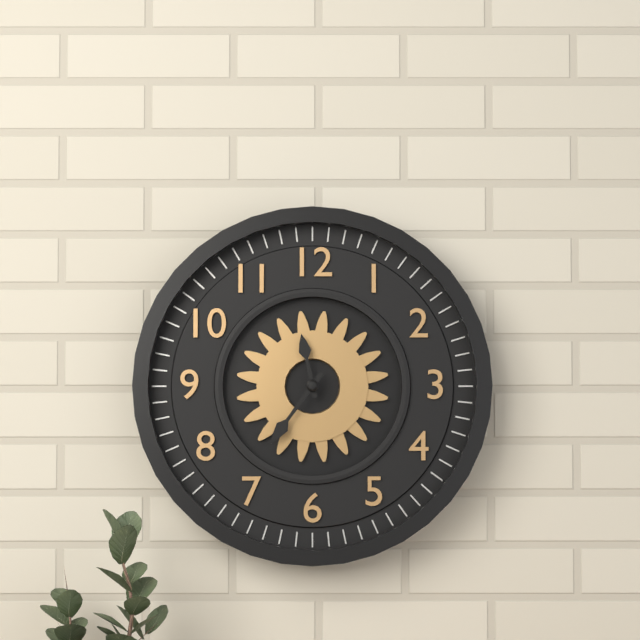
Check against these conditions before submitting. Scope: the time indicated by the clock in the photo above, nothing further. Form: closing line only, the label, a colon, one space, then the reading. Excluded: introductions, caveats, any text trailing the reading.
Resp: 11:36
